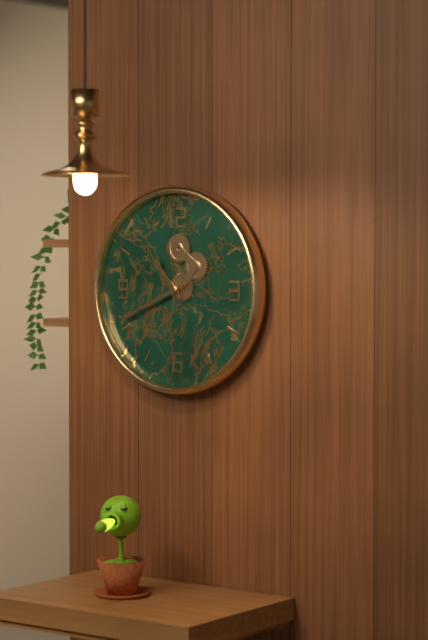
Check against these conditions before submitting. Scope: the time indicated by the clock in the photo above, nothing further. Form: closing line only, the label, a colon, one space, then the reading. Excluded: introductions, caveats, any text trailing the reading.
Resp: 10:41
